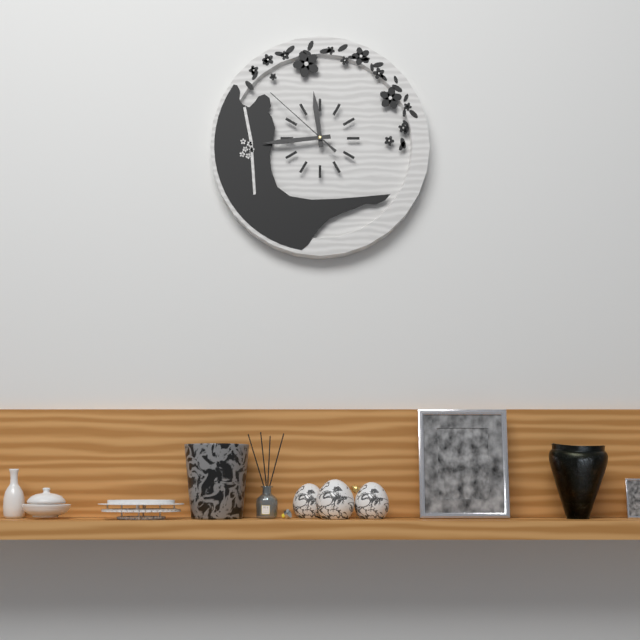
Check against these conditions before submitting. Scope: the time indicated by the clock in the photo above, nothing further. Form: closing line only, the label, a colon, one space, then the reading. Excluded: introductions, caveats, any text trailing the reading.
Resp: 11:44:52
